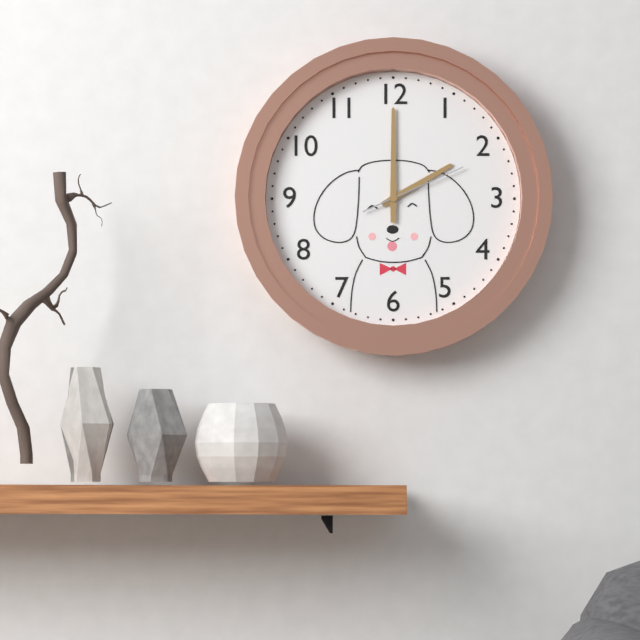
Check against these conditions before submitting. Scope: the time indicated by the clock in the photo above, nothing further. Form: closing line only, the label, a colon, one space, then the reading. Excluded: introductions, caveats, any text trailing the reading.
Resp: 2:00:11
